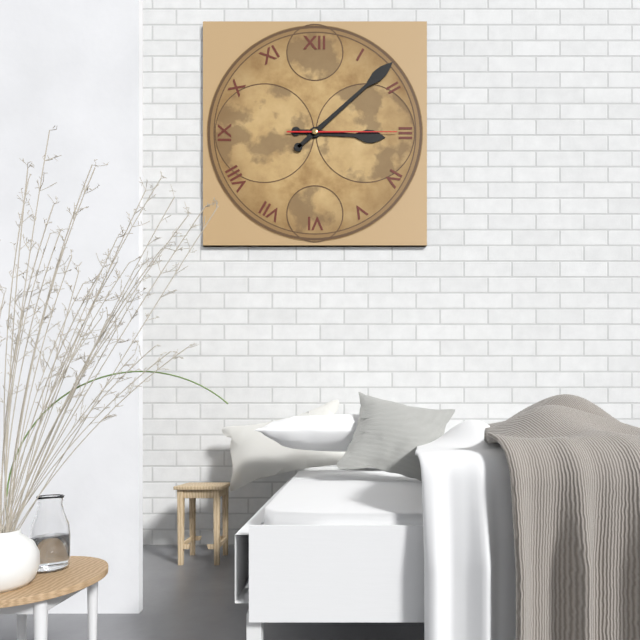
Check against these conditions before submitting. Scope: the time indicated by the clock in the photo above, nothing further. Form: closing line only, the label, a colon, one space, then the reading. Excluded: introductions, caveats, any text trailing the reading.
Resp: 3:08:15
